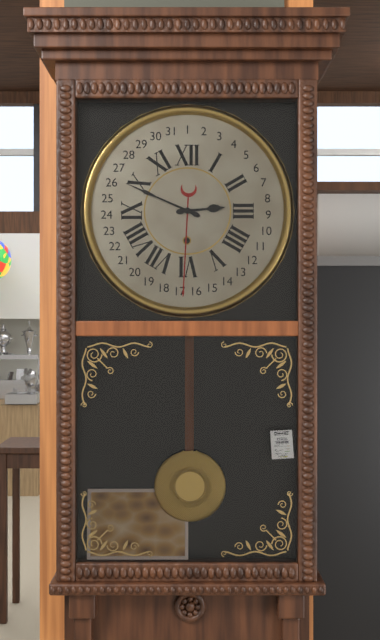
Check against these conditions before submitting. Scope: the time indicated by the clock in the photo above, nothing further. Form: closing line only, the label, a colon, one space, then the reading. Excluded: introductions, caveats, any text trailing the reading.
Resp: 2:49
